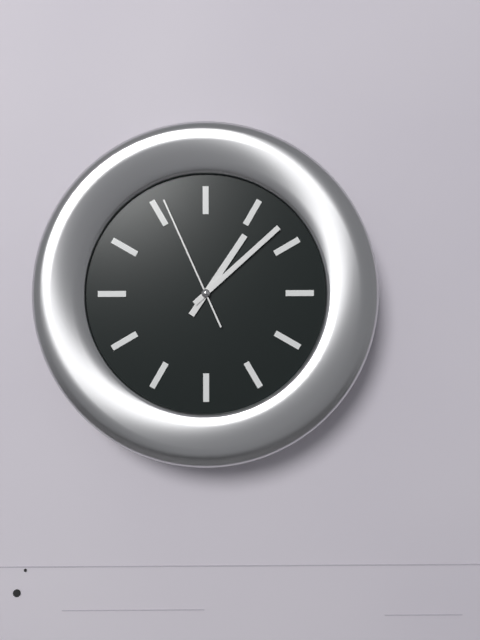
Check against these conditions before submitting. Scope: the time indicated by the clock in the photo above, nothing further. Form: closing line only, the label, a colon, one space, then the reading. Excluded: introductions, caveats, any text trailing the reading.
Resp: 1:08:56
